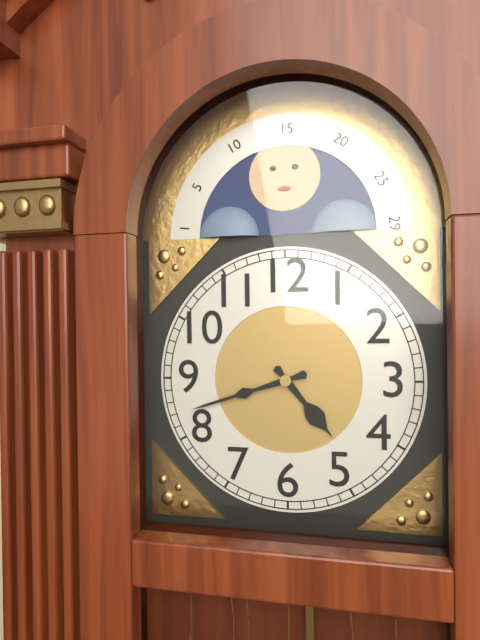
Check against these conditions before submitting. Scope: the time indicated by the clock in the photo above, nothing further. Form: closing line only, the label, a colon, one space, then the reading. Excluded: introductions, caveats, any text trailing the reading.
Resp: 4:42
